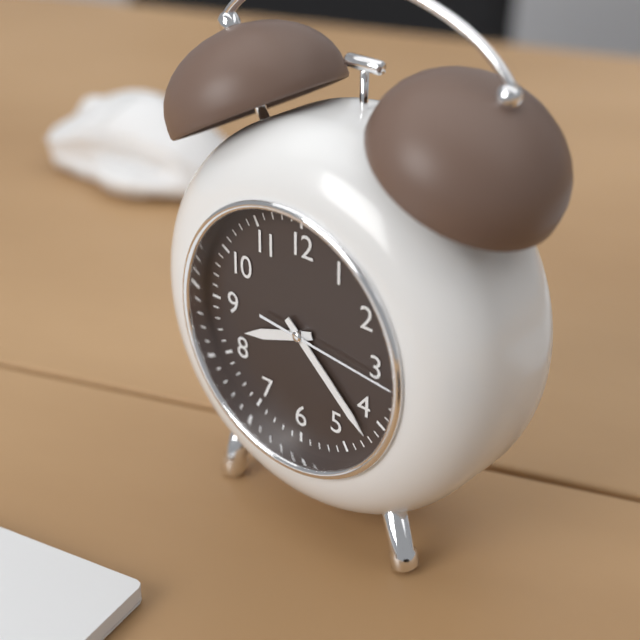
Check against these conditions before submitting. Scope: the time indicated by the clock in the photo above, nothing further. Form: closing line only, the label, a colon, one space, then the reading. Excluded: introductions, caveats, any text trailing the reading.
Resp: 8:22:16
